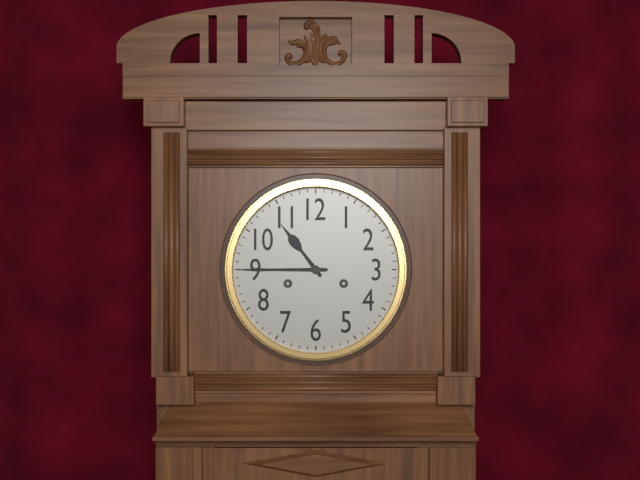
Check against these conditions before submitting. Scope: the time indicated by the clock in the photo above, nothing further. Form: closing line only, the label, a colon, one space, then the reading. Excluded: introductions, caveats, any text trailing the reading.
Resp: 10:45
